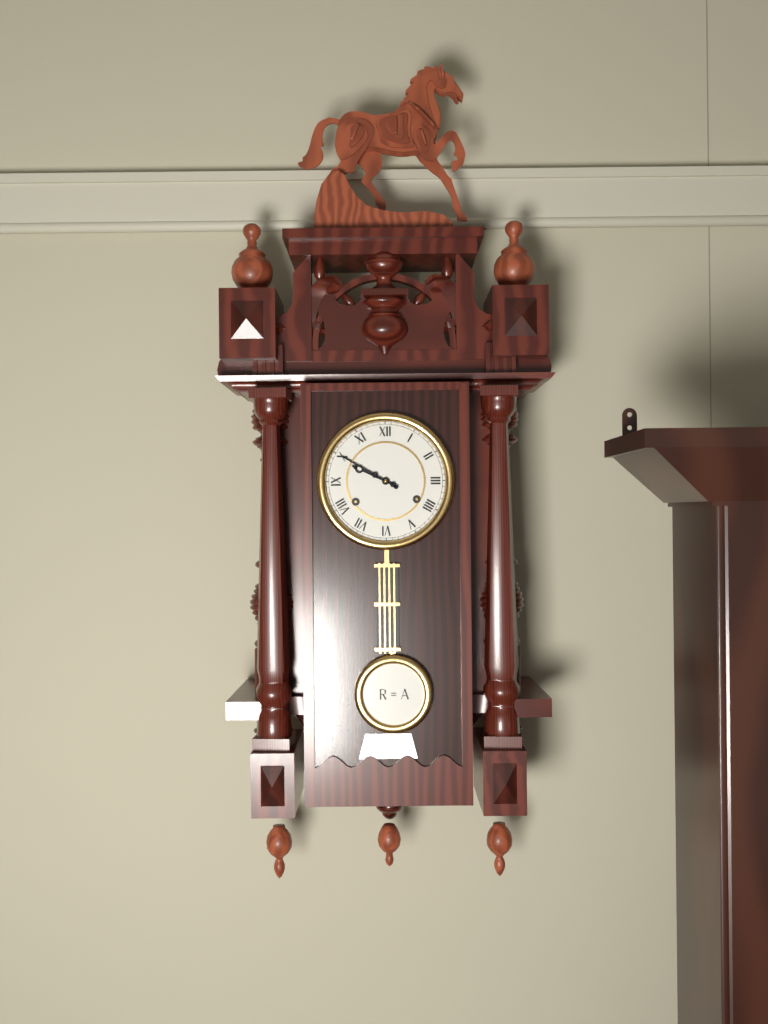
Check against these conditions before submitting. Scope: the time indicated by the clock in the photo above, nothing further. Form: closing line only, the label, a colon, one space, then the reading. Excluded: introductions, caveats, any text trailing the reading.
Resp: 9:50
